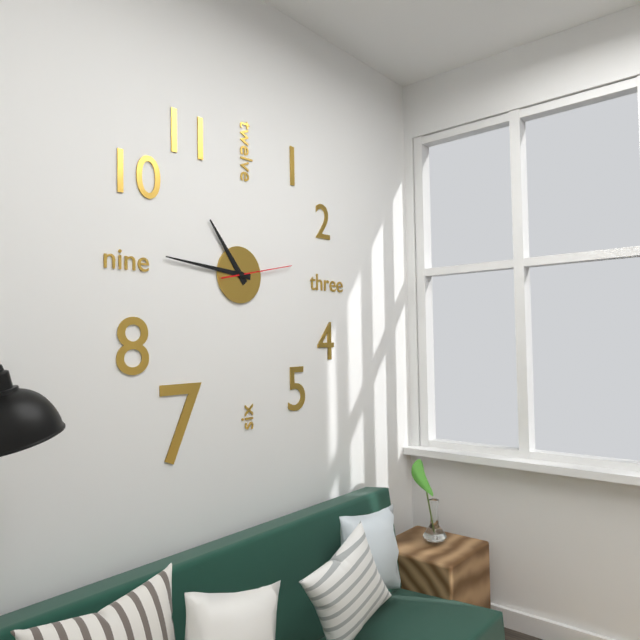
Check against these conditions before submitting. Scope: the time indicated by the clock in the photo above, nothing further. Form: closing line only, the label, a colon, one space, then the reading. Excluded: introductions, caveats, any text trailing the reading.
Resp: 10:46:13
